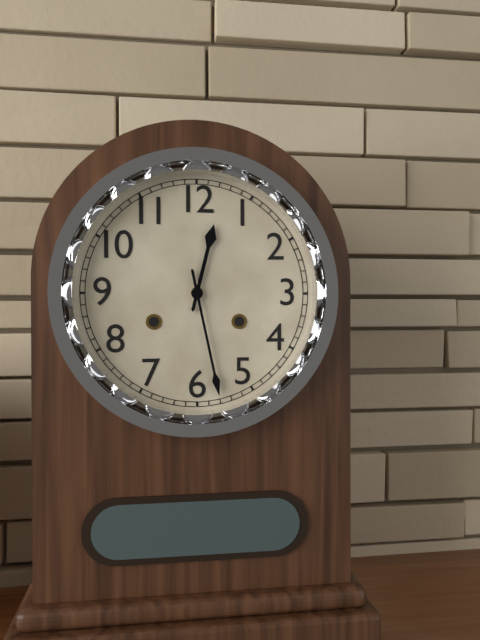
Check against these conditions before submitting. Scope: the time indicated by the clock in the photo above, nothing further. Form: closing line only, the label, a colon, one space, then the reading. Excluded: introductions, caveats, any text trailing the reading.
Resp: 12:28
